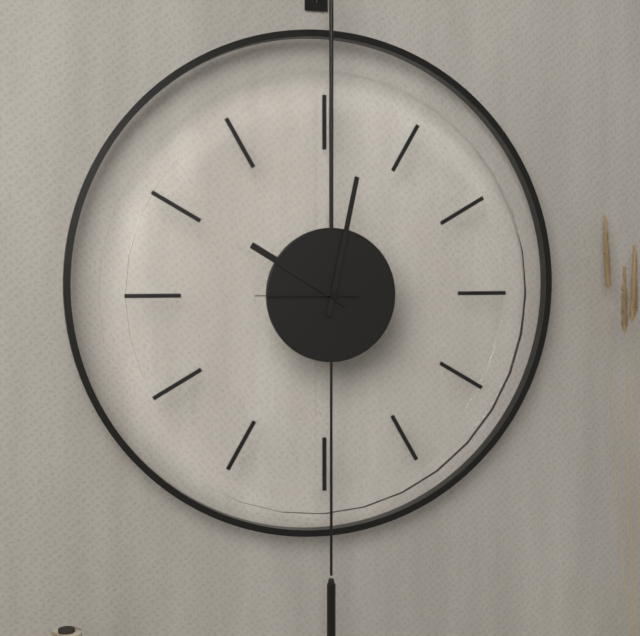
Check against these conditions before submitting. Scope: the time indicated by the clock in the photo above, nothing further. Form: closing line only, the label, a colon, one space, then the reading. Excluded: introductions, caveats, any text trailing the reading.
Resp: 10:02:45
